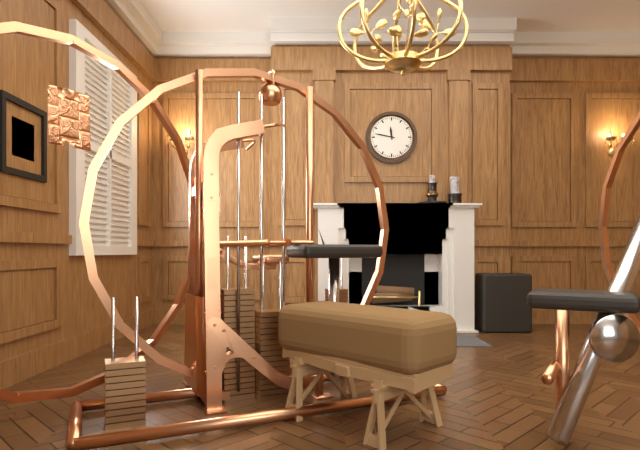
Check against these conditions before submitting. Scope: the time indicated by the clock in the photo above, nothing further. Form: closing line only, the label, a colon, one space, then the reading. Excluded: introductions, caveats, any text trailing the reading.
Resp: 11:47
